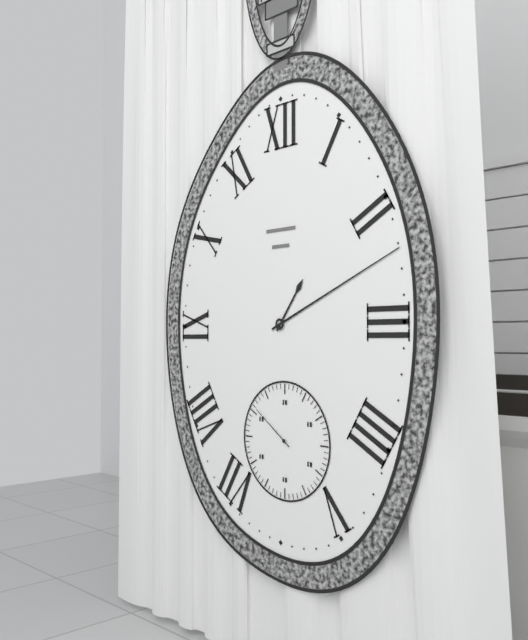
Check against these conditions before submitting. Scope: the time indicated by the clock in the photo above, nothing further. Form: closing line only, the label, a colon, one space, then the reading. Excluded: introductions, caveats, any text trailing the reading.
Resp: 1:11:51
